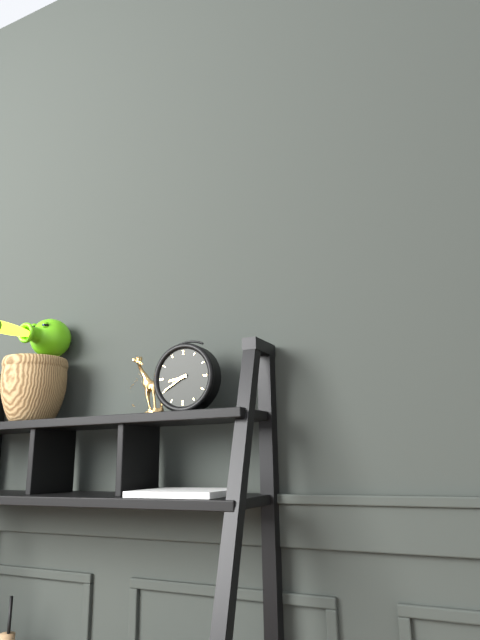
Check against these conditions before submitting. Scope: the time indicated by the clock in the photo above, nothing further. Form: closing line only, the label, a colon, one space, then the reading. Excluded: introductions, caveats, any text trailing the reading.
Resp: 8:40
